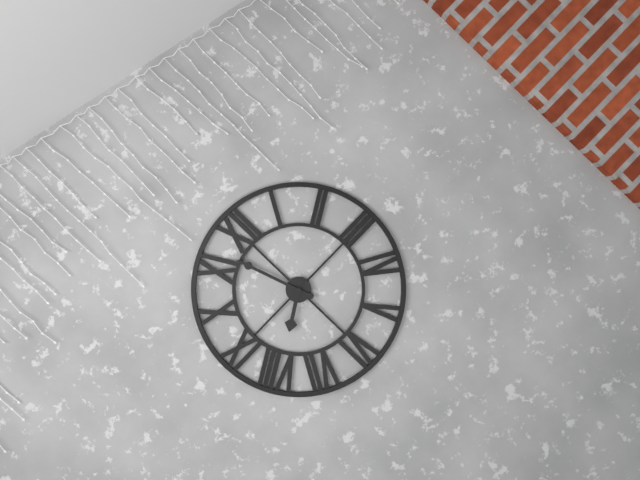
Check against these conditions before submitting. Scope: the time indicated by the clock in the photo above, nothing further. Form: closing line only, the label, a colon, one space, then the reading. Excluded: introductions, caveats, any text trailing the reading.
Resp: 7:57
